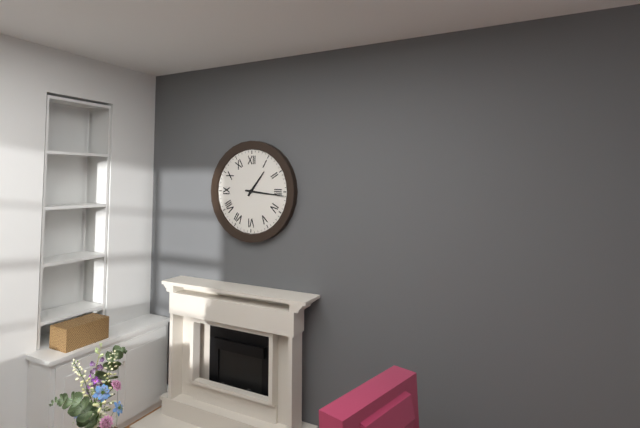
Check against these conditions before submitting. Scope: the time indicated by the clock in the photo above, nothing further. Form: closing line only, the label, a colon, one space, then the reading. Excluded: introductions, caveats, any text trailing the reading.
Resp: 1:16
